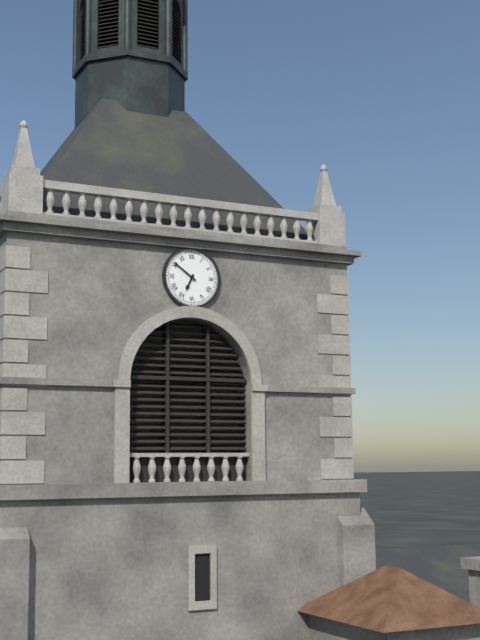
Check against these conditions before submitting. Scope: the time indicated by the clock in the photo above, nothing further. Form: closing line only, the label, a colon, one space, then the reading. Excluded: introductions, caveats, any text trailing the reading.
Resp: 6:51
